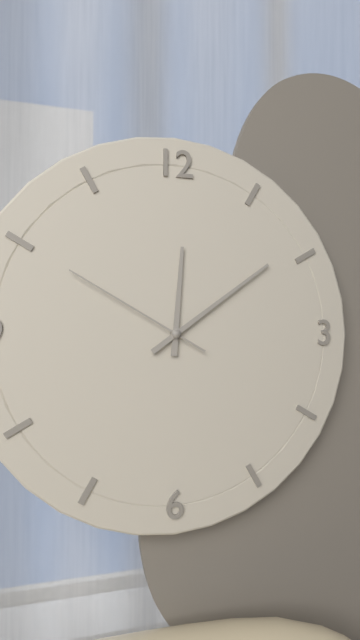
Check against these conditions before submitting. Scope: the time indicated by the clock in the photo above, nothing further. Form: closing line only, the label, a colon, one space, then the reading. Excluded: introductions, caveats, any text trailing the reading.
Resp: 12:09:50
